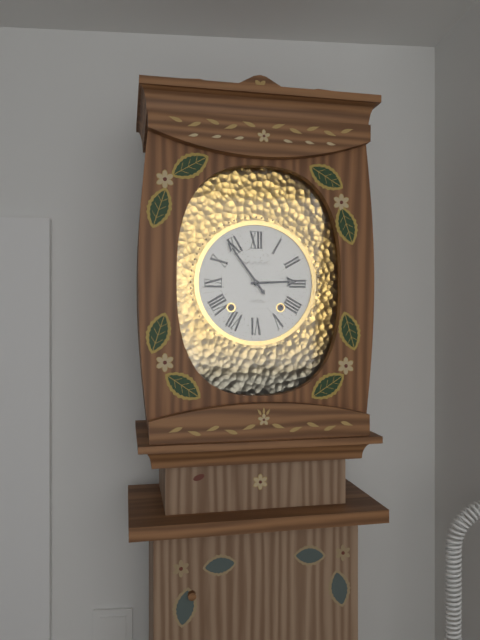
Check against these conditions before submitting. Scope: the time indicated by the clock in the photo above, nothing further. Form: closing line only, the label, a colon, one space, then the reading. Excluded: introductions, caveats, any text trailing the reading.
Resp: 2:54
